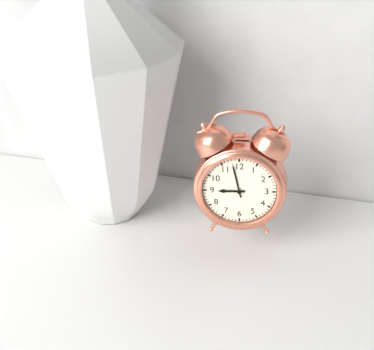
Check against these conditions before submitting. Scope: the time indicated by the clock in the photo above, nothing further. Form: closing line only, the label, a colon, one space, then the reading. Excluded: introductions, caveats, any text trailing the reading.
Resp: 8:58
